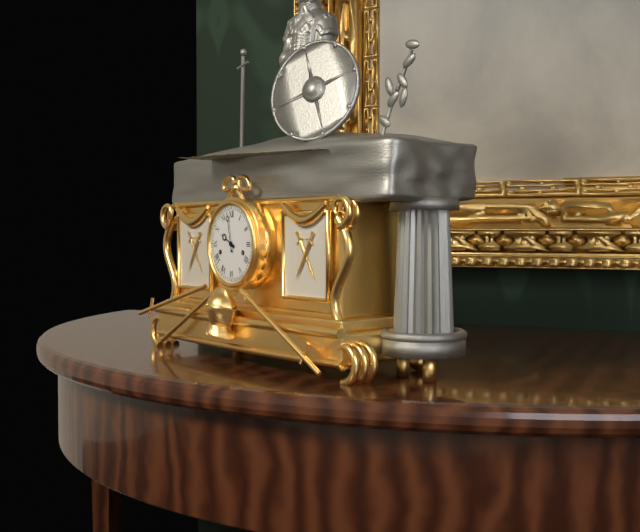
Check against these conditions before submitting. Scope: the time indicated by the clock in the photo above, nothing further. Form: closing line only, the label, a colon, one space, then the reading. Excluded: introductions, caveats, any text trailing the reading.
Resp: 9:58
